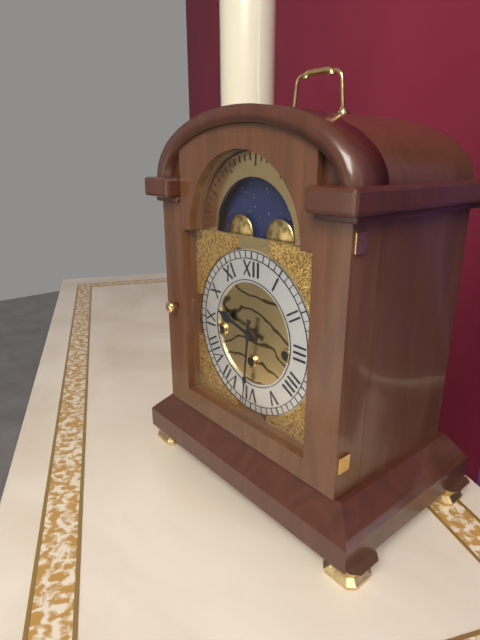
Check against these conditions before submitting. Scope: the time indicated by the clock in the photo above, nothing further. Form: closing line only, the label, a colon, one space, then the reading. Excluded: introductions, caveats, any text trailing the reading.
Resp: 9:31
